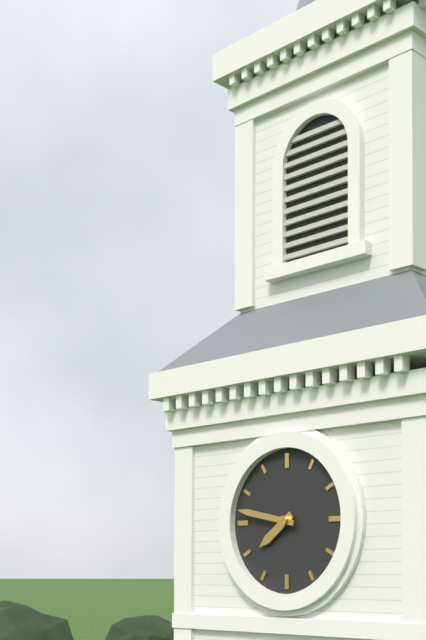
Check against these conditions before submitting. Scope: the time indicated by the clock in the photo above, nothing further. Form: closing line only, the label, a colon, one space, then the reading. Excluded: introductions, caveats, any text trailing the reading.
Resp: 7:47
